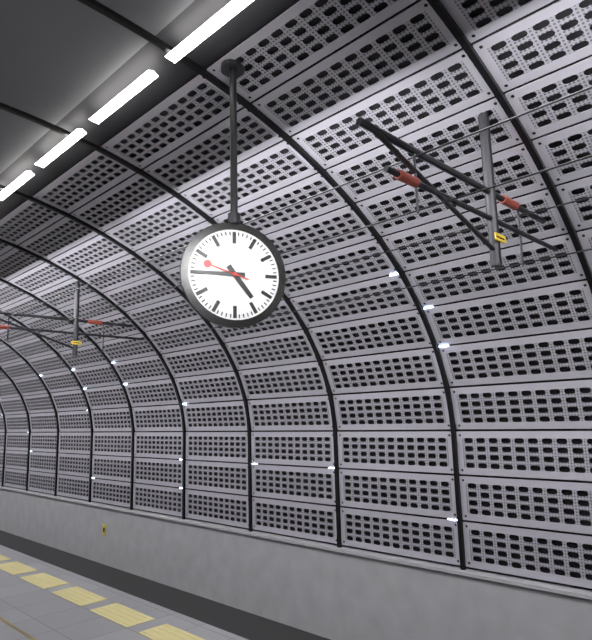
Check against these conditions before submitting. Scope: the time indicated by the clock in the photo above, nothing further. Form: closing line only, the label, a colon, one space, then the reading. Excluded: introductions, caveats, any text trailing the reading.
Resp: 4:45
